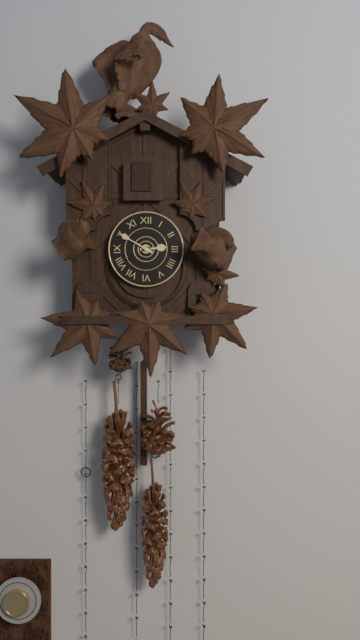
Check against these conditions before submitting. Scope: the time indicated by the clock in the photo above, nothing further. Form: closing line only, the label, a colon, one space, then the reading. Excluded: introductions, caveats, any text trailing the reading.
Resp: 2:50
